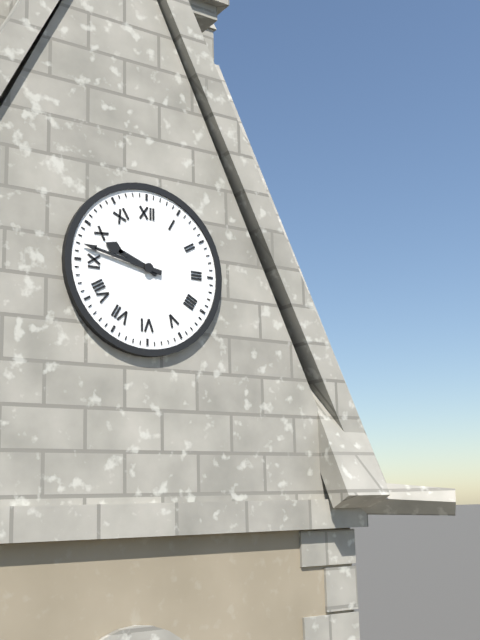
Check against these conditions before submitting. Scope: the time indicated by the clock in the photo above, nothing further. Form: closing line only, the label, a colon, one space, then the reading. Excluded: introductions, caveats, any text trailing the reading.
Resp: 9:47
